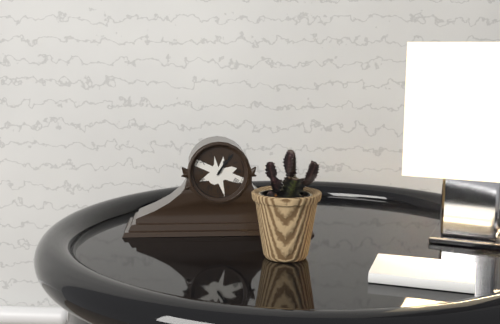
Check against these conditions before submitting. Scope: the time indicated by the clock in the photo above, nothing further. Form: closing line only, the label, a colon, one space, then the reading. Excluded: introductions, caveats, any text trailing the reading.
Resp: 1:06
